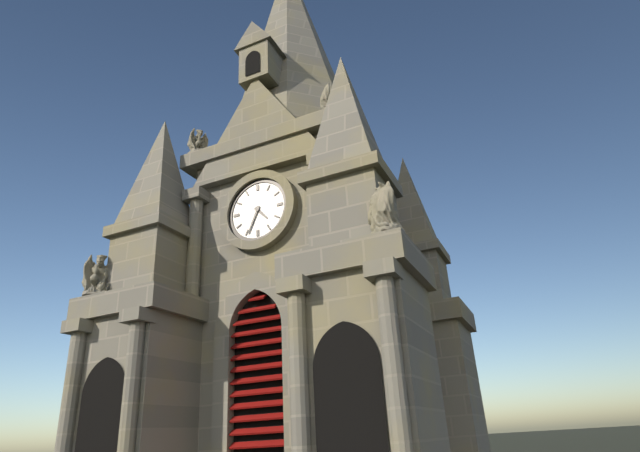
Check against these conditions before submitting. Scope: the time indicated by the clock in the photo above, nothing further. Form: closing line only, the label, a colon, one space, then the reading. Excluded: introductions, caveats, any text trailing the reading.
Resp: 4:34
